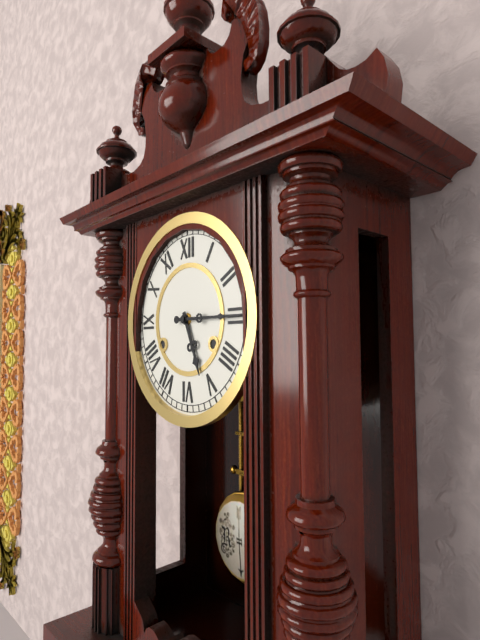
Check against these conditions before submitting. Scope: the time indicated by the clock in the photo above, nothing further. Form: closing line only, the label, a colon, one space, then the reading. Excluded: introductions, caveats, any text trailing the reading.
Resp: 5:15
